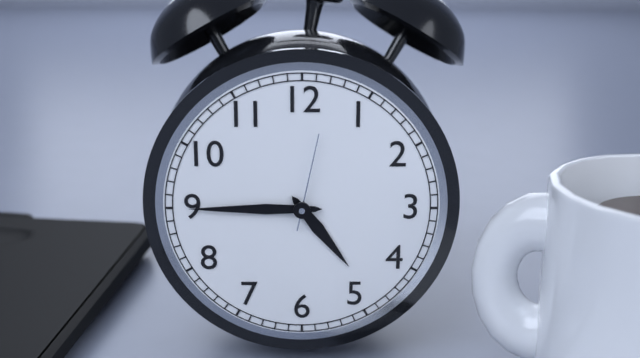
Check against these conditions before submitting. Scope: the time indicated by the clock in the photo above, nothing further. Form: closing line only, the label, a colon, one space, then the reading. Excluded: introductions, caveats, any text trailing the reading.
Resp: 4:45:02
